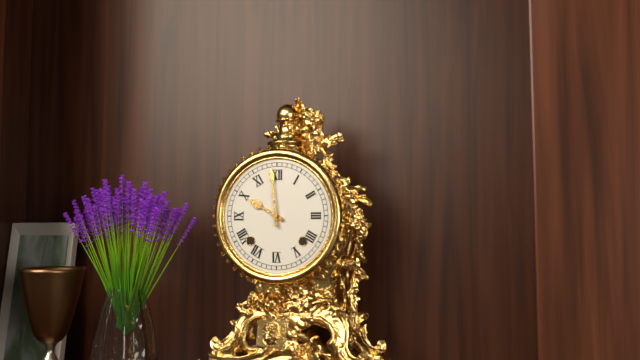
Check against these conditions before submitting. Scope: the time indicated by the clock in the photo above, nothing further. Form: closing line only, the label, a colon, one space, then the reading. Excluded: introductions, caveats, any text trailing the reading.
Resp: 9:59
